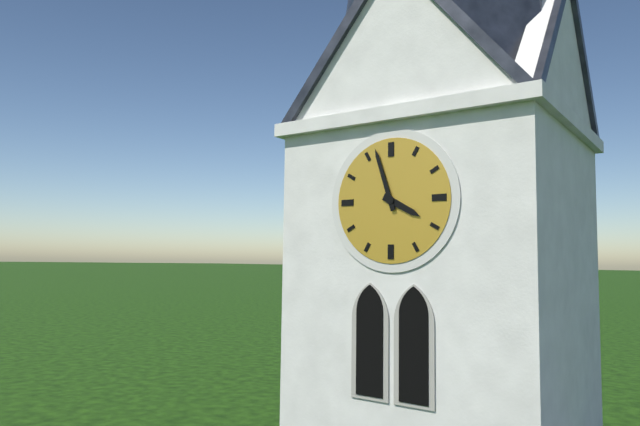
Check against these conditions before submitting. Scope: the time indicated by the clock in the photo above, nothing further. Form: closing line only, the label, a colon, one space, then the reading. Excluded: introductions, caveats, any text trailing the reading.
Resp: 3:57
